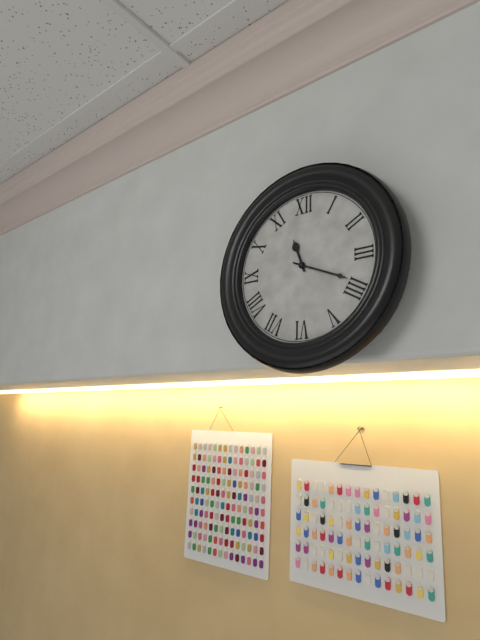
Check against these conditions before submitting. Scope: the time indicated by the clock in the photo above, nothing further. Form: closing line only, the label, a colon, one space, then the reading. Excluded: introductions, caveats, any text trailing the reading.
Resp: 11:19
